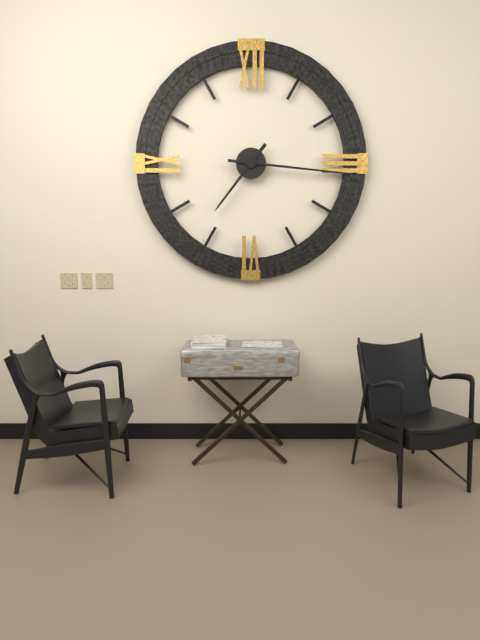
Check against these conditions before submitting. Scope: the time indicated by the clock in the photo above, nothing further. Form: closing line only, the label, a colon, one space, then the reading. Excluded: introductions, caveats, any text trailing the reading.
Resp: 7:16
